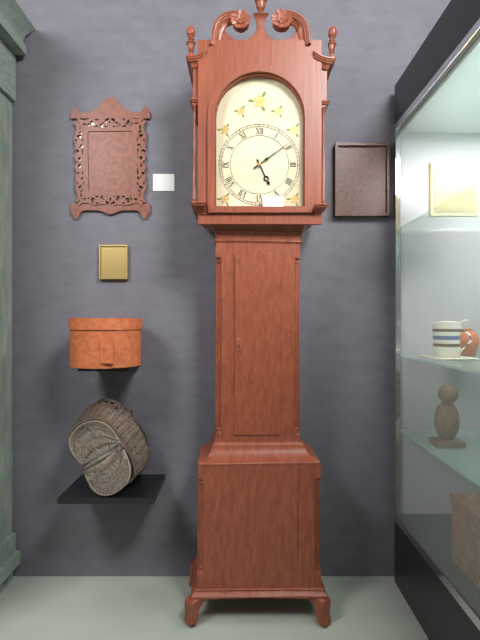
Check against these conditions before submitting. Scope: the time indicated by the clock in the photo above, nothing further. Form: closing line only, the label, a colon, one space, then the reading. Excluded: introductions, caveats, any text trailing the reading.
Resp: 5:09
